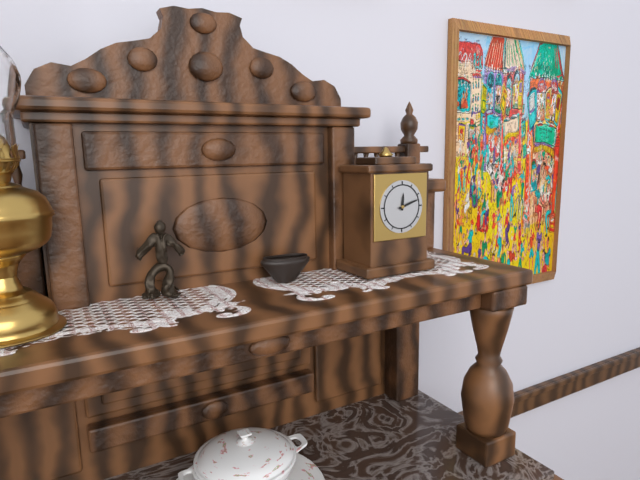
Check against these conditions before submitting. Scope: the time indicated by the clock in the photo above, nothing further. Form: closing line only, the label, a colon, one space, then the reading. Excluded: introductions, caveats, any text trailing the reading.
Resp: 12:12
